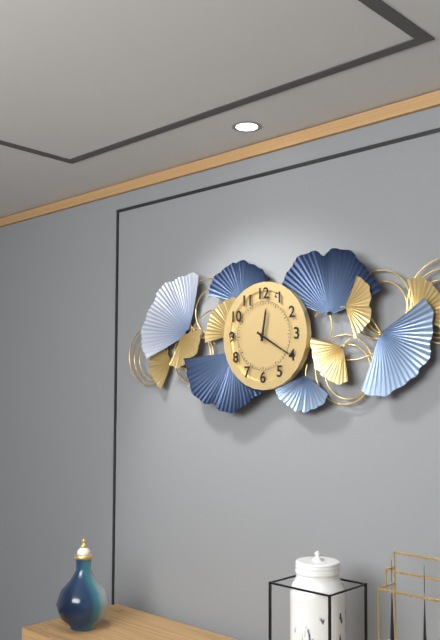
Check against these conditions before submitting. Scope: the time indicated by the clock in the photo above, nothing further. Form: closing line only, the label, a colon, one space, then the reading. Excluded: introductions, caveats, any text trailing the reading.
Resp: 12:20
